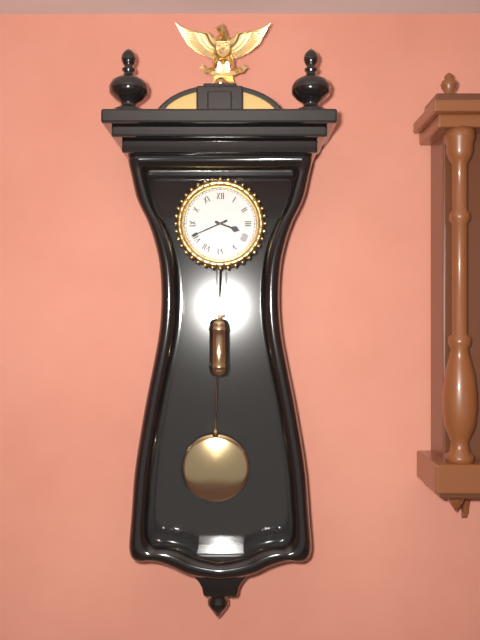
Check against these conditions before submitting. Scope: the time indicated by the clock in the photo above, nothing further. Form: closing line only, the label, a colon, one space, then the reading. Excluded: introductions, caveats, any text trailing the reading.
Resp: 3:41
